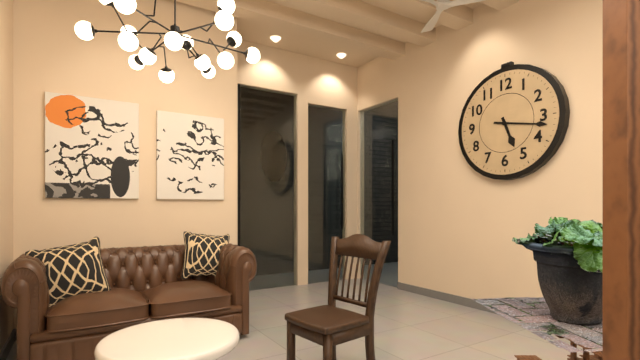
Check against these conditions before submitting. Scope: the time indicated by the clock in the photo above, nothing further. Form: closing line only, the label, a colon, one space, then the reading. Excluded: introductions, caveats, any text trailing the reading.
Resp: 5:17
